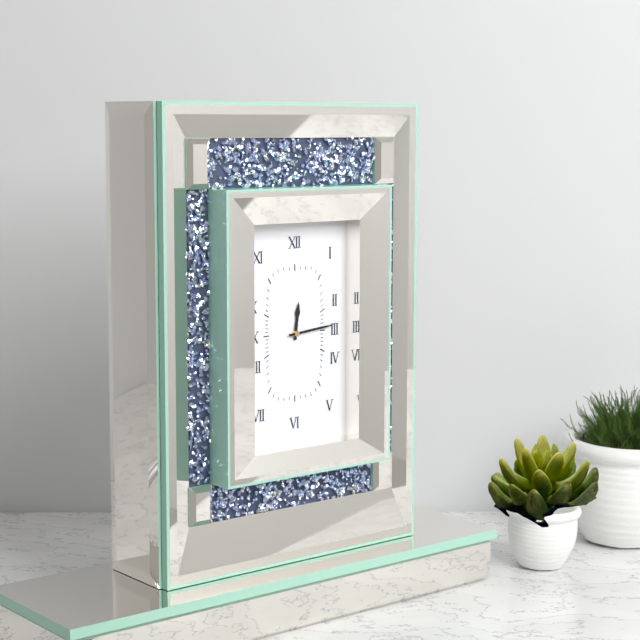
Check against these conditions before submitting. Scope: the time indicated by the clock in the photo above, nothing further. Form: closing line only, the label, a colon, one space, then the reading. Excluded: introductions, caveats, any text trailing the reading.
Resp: 12:14
